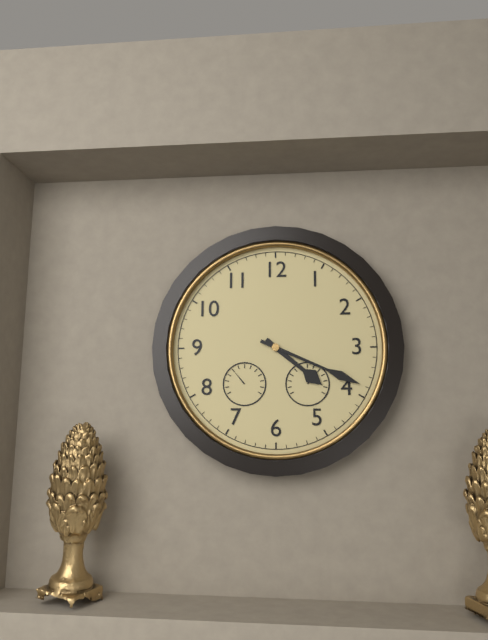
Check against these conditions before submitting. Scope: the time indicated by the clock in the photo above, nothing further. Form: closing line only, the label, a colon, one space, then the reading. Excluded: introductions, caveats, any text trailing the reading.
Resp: 4:19
